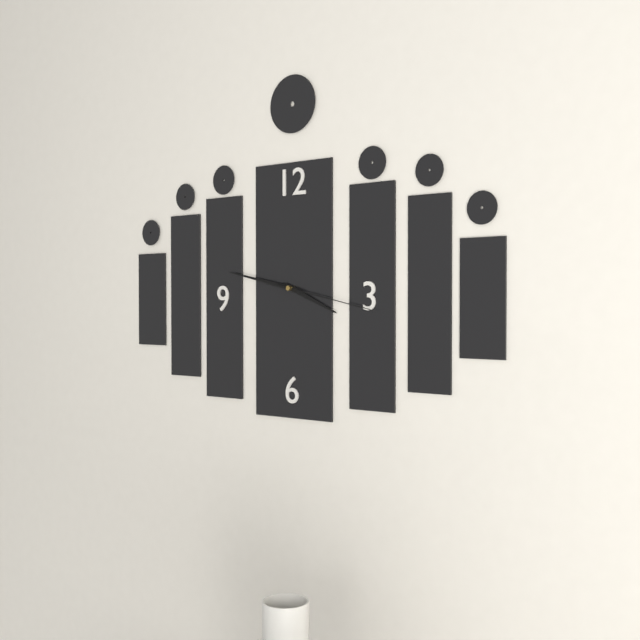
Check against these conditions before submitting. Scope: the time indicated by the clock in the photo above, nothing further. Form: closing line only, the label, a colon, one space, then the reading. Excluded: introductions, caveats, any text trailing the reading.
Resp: 3:47:17
